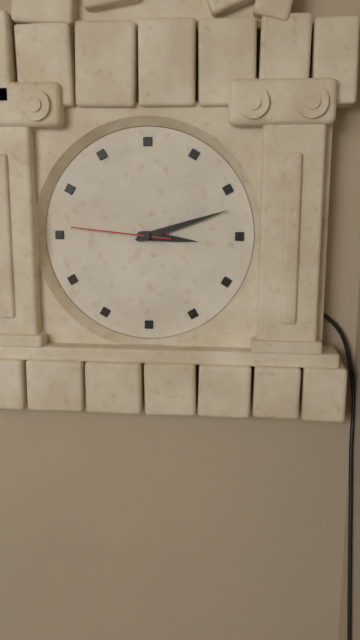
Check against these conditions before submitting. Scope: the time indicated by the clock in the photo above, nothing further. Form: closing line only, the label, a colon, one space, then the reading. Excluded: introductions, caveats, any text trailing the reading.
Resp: 3:12:46
